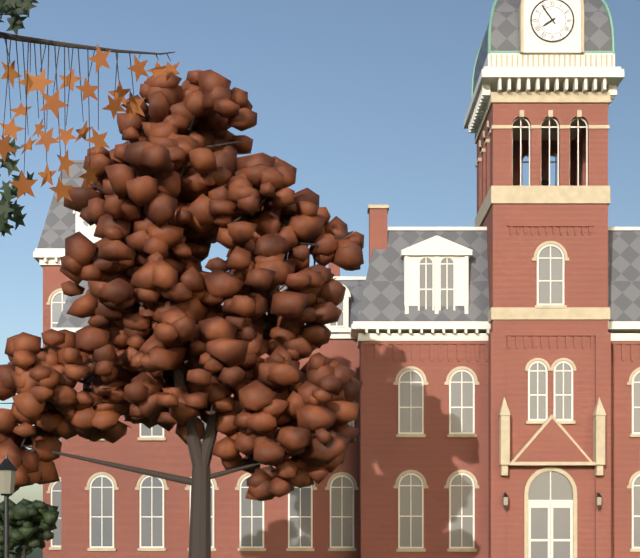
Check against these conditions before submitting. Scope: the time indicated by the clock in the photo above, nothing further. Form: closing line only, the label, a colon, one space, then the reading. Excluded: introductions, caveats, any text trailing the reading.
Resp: 7:54
